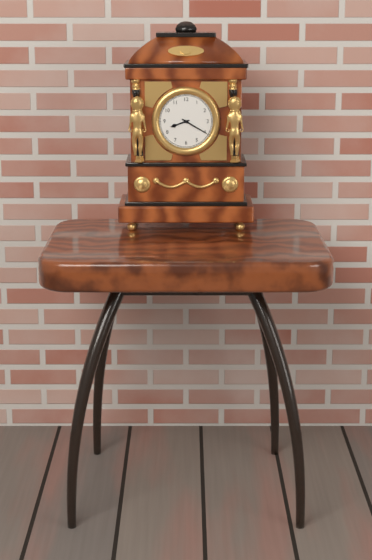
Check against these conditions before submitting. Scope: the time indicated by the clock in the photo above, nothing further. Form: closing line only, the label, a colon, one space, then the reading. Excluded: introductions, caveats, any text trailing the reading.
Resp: 8:20
